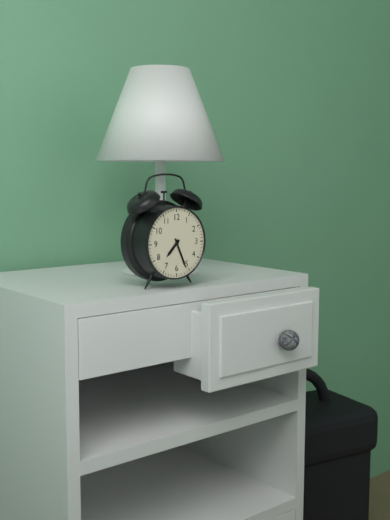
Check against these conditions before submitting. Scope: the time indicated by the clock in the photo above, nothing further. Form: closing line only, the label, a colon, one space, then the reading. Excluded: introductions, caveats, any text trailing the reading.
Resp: 7:26
